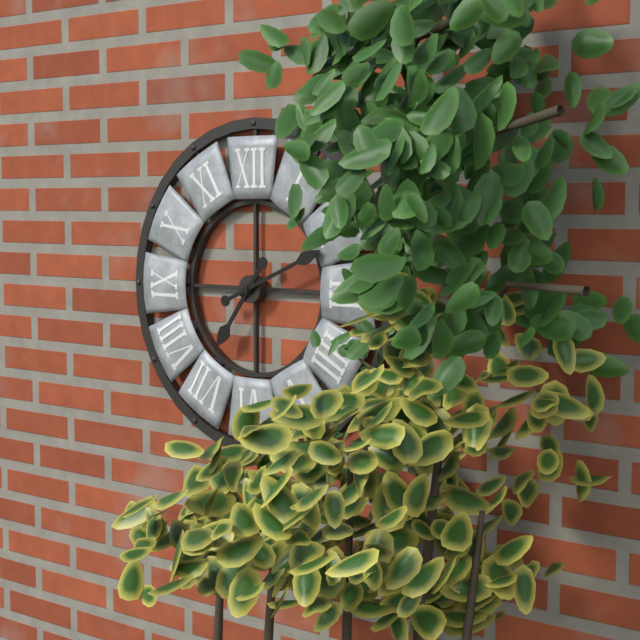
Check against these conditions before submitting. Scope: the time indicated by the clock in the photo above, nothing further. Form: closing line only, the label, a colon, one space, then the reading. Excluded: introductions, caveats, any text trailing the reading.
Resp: 7:11
